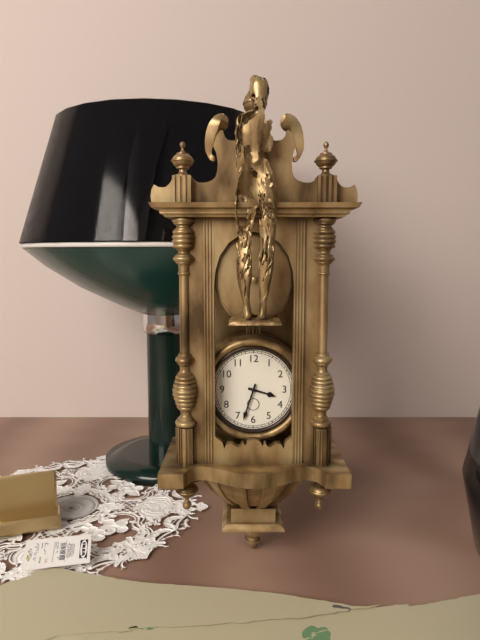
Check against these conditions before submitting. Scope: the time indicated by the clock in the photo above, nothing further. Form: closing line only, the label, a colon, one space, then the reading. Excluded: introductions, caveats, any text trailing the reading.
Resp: 3:33
